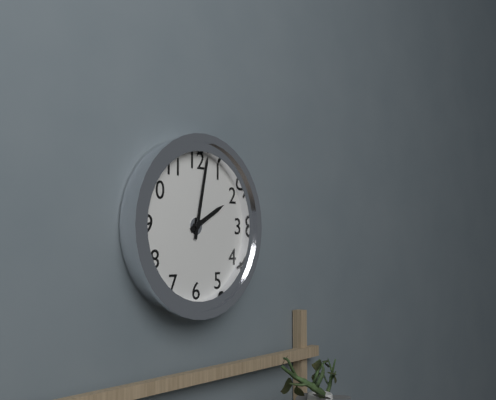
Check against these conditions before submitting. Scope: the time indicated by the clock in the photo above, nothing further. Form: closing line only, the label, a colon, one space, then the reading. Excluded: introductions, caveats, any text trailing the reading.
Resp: 2:02
